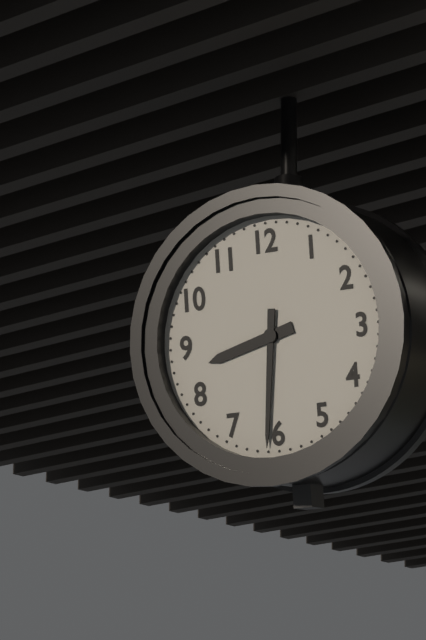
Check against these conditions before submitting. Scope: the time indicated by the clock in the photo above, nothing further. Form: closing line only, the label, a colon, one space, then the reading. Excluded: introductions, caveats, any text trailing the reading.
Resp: 8:31
